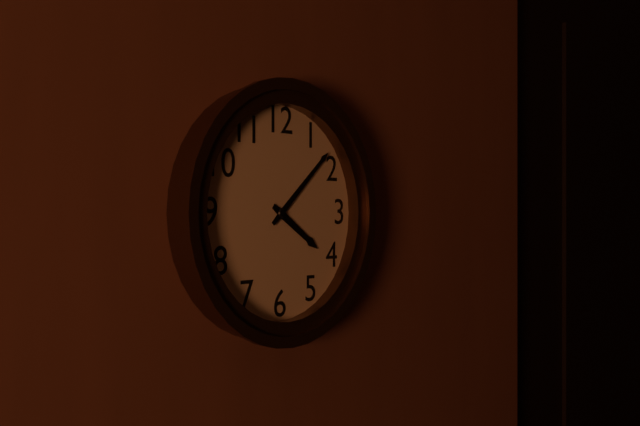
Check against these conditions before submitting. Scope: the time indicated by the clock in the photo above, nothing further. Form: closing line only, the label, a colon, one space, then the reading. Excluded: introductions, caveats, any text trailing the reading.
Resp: 4:08
